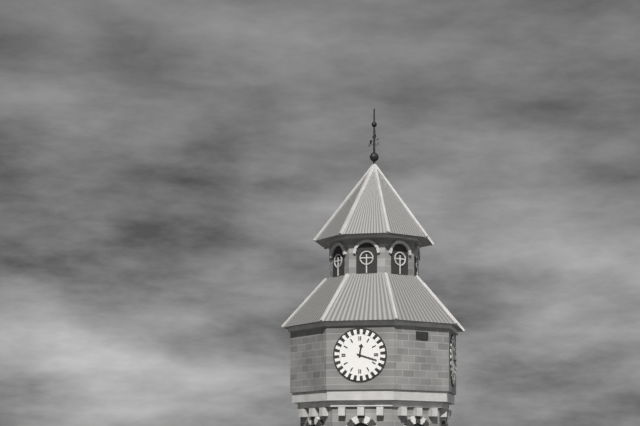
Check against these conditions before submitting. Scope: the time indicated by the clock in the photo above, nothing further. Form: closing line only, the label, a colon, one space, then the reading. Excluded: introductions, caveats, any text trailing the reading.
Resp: 12:18
